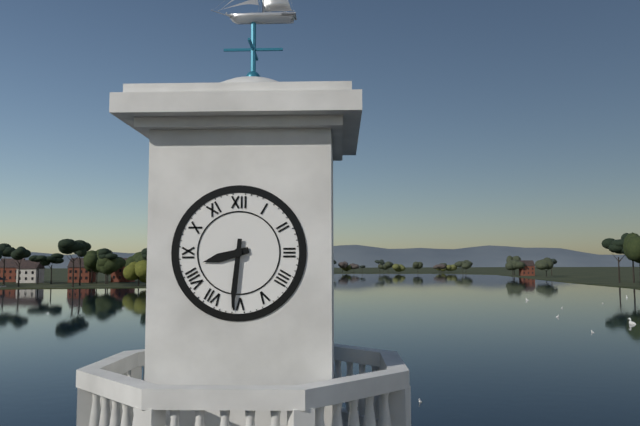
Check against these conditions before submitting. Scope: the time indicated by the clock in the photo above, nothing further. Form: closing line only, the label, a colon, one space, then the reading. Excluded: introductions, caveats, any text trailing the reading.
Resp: 8:31
